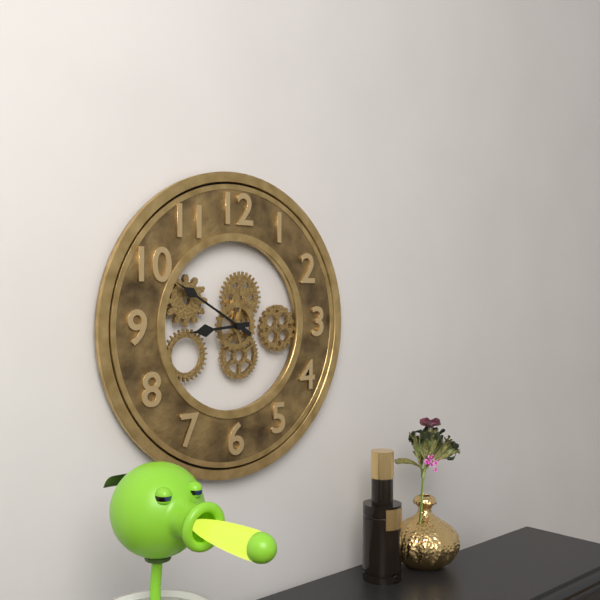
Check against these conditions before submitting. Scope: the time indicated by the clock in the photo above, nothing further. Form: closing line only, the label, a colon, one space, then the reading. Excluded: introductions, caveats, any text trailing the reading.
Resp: 8:50
